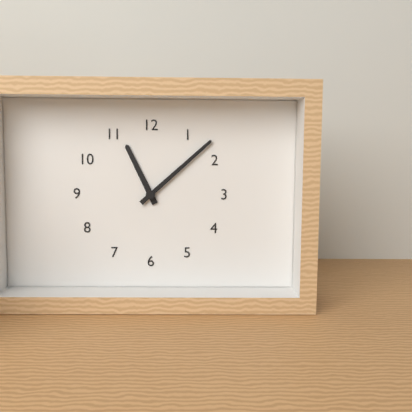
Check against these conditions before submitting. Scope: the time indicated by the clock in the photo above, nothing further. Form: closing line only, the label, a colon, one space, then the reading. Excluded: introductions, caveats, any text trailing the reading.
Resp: 11:08
